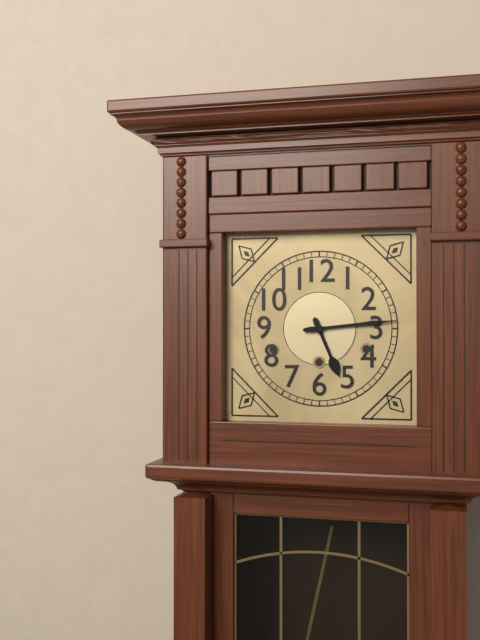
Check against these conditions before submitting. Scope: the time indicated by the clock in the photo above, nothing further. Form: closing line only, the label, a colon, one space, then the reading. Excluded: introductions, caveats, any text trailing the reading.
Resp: 5:14
